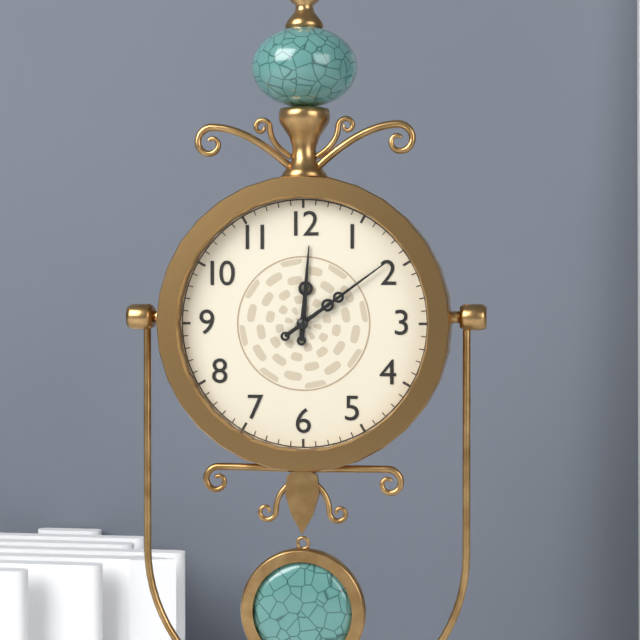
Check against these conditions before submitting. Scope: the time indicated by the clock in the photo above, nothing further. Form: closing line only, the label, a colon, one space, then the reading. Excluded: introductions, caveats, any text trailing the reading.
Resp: 12:09
